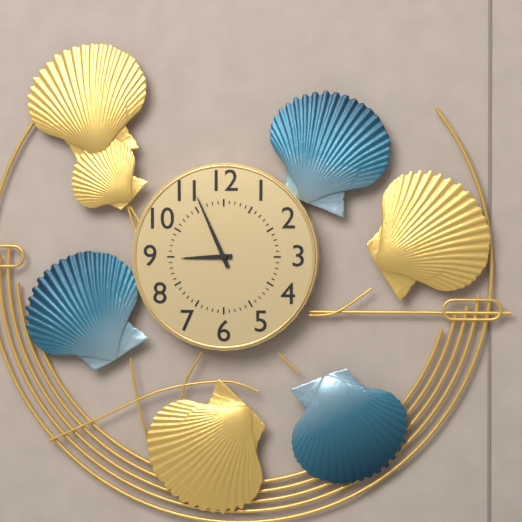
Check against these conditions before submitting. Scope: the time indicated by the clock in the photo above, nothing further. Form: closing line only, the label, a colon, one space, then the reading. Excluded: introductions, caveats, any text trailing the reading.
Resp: 8:56
